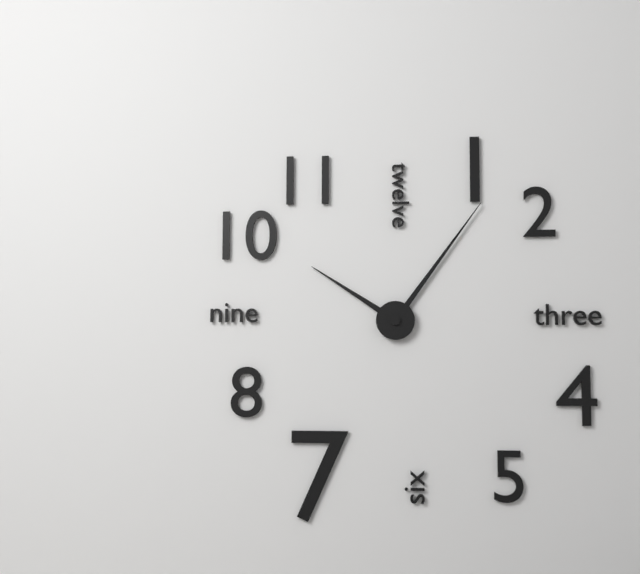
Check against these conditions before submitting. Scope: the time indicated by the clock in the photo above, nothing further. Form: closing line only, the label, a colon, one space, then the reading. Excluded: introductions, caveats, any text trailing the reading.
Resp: 10:06
